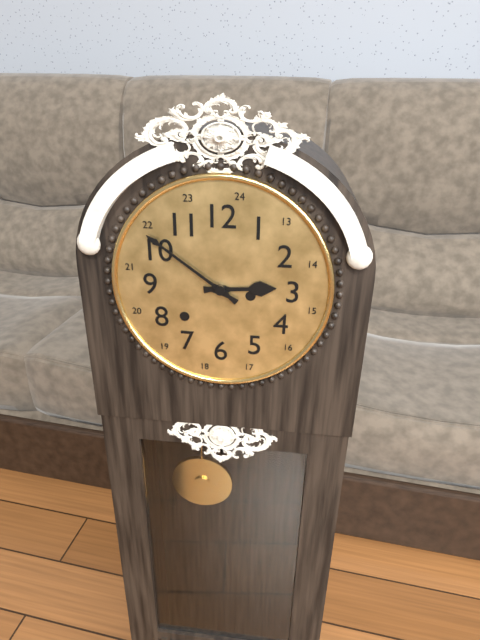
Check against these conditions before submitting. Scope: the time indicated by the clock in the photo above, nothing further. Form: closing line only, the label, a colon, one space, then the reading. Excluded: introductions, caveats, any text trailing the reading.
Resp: 2:51
